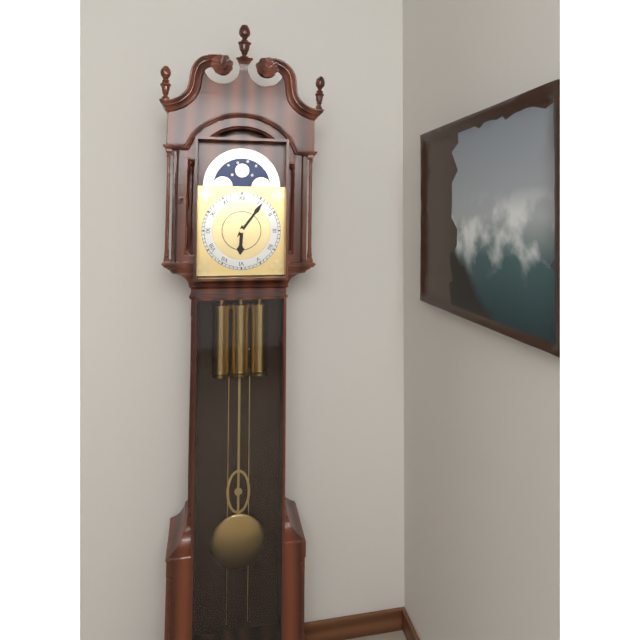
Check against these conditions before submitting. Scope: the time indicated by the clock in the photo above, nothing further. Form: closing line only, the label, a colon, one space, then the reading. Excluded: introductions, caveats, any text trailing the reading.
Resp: 6:06
